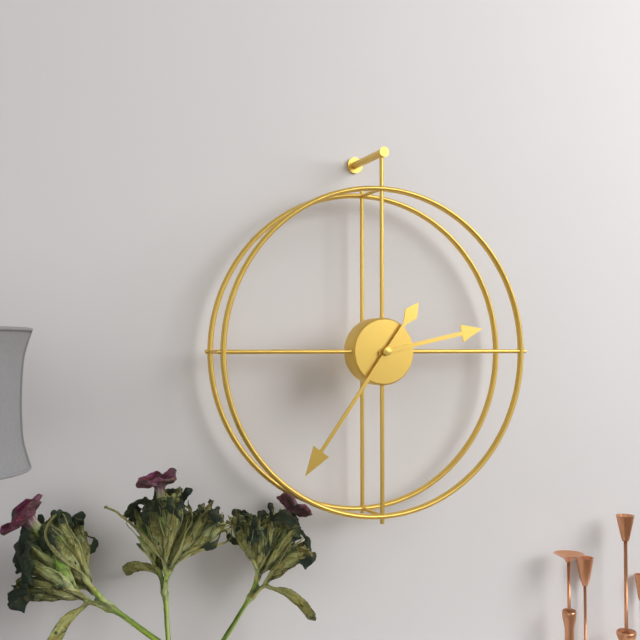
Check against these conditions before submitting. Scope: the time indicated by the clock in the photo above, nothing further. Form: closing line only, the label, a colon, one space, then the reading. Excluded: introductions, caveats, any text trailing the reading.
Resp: 2:36
